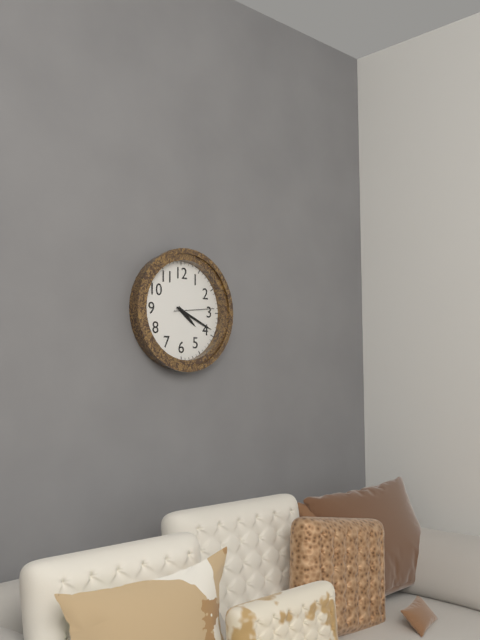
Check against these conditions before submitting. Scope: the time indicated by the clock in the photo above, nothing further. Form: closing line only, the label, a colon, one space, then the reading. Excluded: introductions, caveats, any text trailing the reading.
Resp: 4:19
